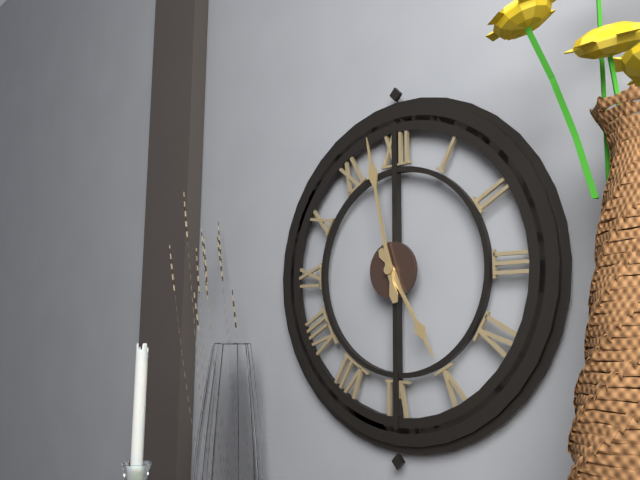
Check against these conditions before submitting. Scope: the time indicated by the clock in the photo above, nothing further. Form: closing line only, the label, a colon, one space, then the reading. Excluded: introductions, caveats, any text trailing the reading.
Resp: 4:58
